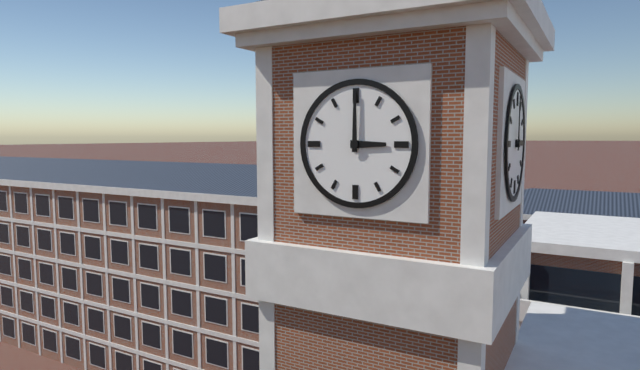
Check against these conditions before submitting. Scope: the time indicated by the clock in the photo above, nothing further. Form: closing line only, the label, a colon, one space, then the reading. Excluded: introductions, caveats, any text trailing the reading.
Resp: 3:00
